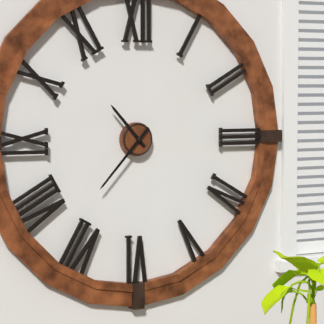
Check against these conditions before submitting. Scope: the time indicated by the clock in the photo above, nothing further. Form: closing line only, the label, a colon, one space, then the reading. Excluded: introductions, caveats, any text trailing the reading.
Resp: 10:37
